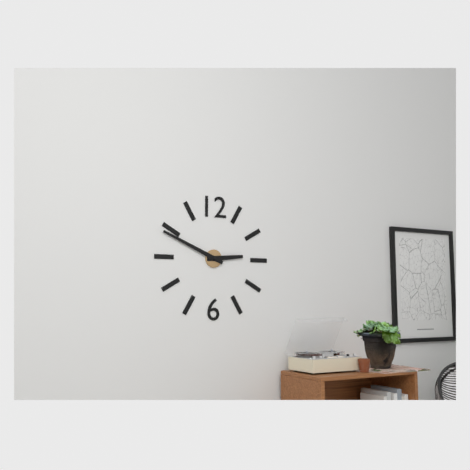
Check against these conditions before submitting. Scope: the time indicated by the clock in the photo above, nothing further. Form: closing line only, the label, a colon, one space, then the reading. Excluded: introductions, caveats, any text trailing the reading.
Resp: 2:49
